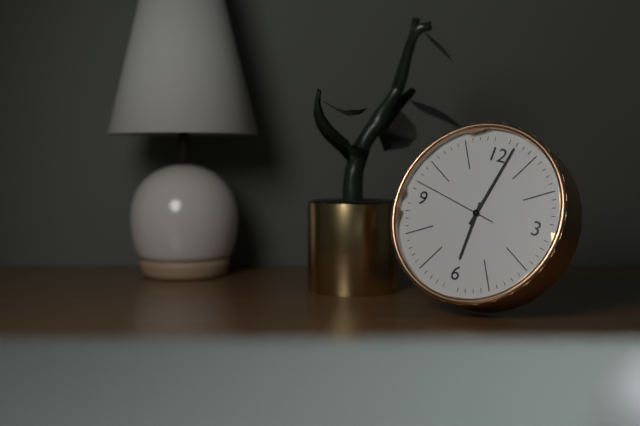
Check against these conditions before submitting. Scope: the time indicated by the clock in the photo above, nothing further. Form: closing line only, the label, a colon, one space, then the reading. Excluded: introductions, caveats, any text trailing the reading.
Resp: 6:02:47
